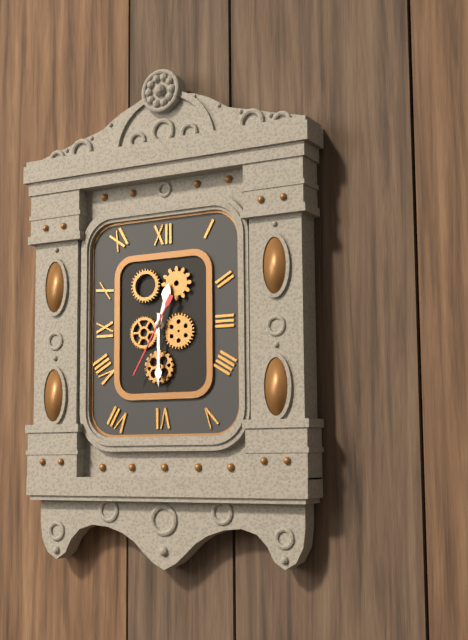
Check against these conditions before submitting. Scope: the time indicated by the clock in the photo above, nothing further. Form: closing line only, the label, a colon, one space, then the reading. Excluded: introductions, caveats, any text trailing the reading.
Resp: 12:30:35
